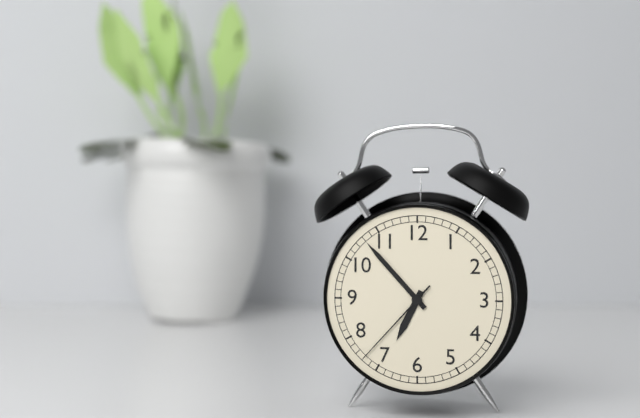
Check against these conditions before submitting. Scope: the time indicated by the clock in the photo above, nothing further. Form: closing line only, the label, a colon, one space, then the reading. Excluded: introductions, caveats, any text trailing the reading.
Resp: 6:53:37
